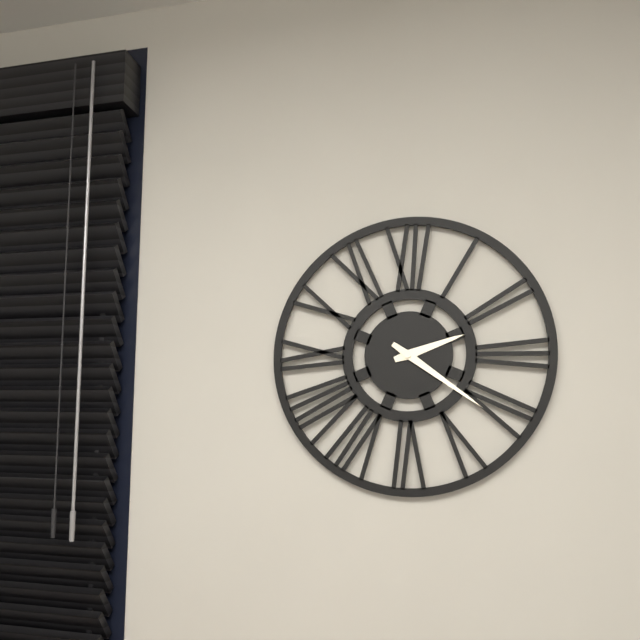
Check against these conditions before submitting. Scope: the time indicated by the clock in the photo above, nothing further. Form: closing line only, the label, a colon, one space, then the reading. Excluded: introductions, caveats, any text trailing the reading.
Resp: 2:21
